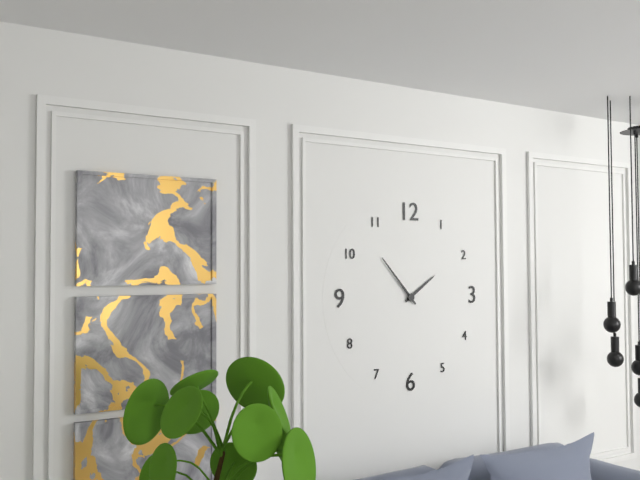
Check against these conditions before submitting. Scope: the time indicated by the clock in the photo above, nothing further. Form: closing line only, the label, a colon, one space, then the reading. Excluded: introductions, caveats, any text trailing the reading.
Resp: 1:53
